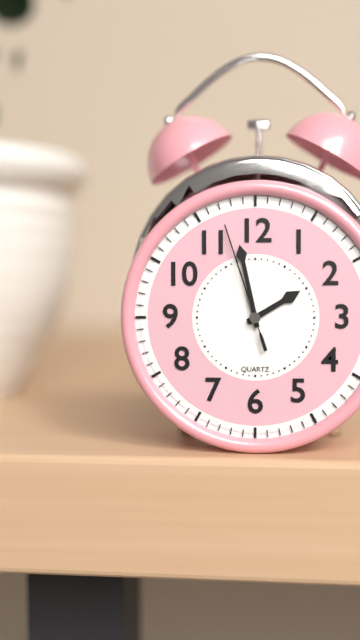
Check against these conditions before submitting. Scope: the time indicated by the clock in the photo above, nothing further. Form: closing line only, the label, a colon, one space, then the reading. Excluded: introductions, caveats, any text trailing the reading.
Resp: 1:58:57
